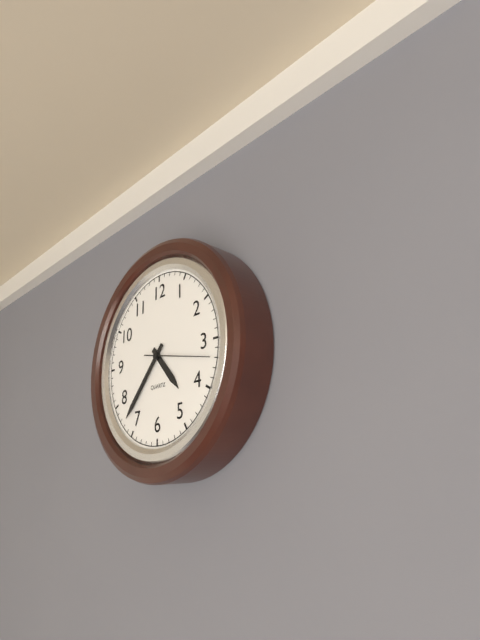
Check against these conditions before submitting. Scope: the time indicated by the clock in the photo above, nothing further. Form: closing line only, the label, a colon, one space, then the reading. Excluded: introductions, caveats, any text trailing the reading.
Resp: 4:37:17
